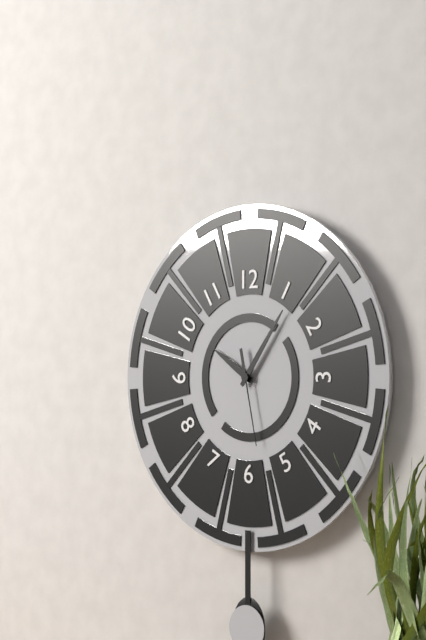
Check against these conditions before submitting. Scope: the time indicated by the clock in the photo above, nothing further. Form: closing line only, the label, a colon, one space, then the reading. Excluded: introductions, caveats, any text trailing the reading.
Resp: 10:06:28
